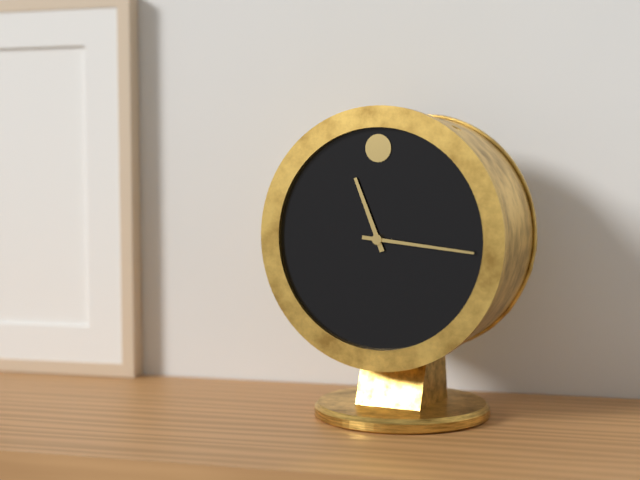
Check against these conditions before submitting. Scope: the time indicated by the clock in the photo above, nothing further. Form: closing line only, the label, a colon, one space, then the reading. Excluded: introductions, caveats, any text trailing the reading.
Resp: 11:16
